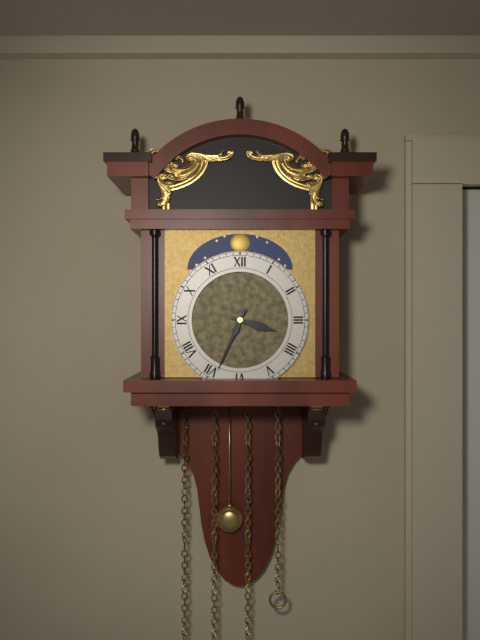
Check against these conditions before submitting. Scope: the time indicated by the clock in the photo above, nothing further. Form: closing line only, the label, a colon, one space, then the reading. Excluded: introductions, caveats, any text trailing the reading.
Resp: 3:34
